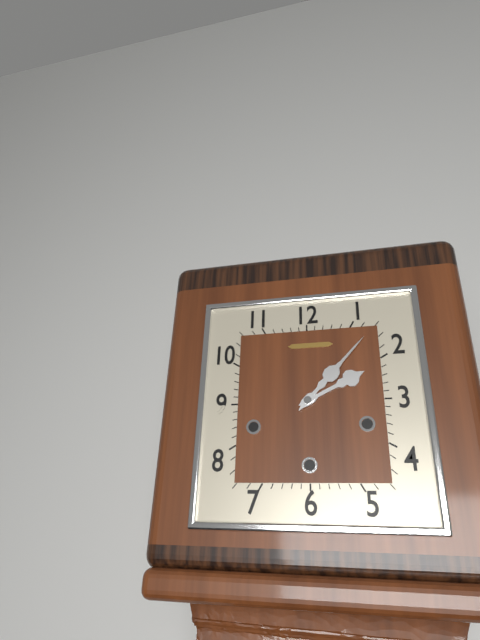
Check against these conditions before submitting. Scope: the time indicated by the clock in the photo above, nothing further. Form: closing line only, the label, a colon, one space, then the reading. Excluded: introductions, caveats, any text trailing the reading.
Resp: 2:07
